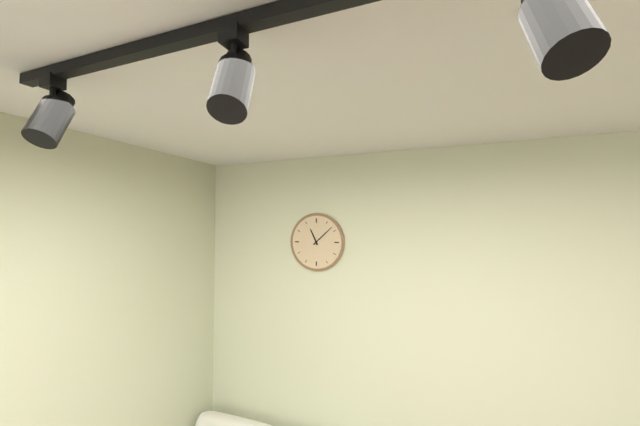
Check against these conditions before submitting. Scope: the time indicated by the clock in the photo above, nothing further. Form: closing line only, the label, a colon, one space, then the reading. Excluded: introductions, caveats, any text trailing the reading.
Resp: 11:08
